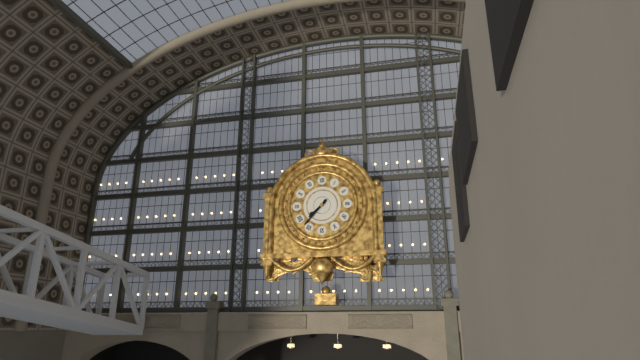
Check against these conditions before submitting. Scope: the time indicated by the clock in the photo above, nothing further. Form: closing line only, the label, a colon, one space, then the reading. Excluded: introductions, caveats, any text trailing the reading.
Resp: 7:37
